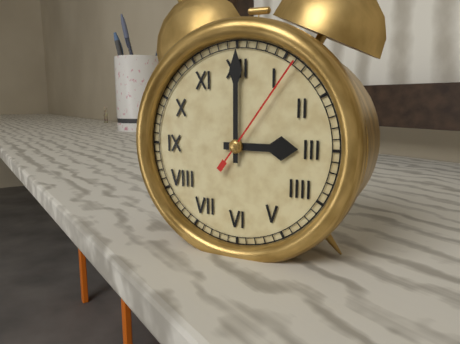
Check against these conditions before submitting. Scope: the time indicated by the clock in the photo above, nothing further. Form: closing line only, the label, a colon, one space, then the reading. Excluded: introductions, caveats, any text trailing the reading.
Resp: 3:00:06
